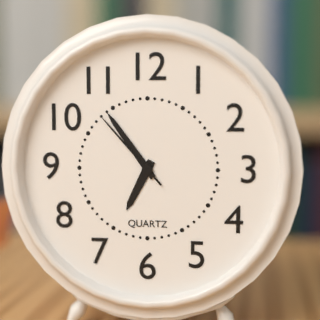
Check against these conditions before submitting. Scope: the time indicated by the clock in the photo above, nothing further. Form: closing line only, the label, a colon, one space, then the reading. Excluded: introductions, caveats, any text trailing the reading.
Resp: 6:54:53
